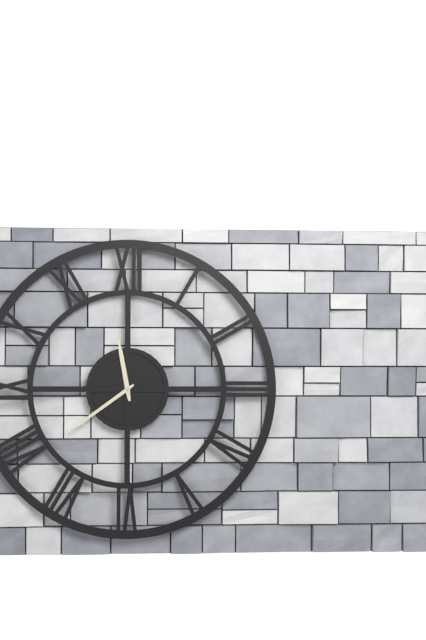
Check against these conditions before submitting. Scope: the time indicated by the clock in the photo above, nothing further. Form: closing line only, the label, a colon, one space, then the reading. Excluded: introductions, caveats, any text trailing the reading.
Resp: 11:39
